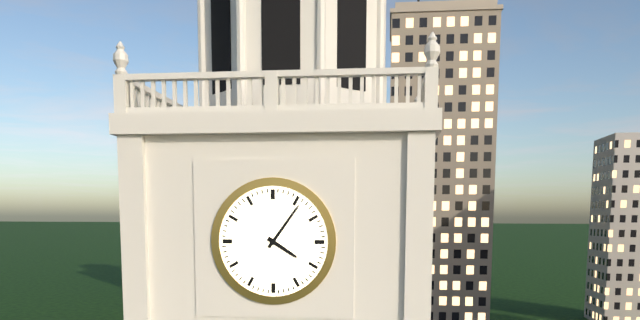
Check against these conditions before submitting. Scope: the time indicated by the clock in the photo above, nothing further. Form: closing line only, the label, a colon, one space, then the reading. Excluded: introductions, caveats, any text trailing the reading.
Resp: 4:06
